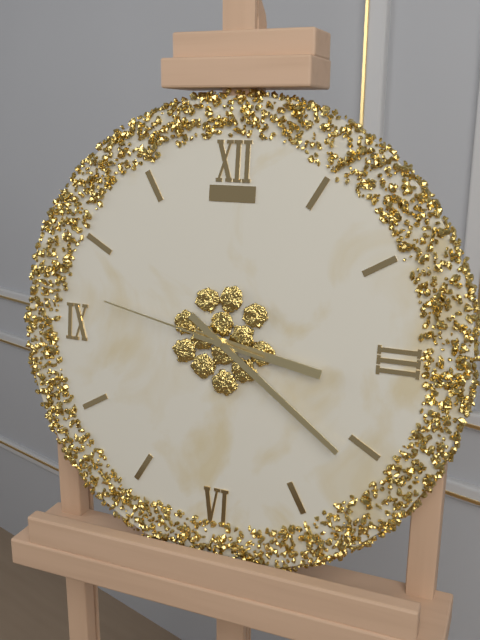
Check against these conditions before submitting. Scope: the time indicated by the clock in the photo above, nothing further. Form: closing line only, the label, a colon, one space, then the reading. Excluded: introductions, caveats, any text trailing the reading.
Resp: 3:21:47
